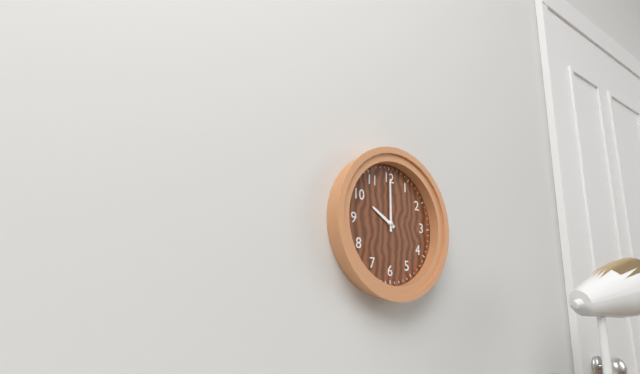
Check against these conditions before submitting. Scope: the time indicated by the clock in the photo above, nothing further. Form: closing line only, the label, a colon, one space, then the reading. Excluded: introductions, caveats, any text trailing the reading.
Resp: 10:00
